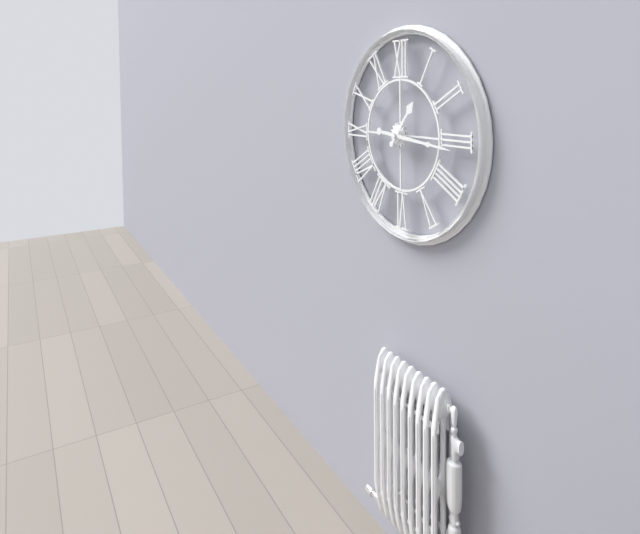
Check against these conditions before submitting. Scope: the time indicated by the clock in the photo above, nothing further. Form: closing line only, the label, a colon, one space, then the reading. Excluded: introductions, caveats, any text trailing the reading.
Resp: 1:16
